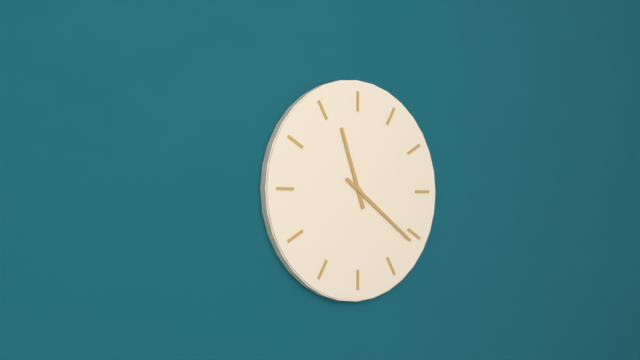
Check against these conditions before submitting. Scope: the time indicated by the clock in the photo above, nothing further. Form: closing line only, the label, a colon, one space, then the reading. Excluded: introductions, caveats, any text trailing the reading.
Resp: 11:21
